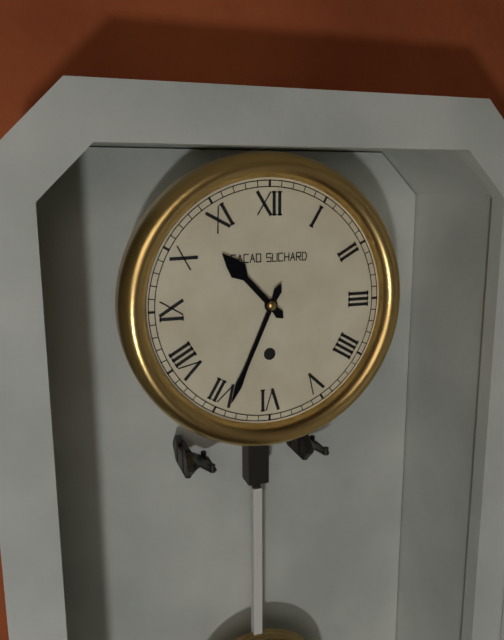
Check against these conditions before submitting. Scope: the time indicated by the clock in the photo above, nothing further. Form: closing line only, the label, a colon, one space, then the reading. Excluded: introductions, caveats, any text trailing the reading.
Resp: 10:34
